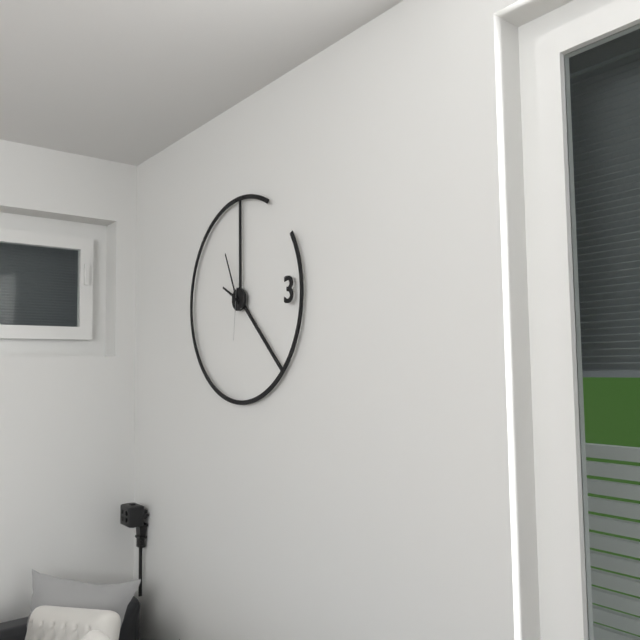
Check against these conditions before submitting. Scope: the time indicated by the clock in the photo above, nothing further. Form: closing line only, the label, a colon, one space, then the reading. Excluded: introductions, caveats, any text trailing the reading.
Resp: 9:56:31
